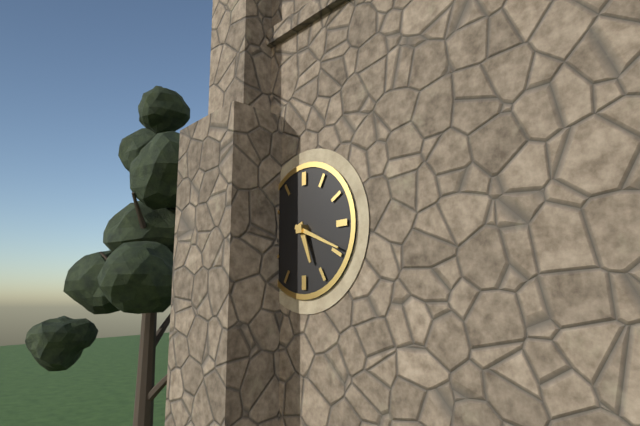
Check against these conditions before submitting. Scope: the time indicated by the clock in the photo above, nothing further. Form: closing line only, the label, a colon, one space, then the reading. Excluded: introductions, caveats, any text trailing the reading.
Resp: 5:19
